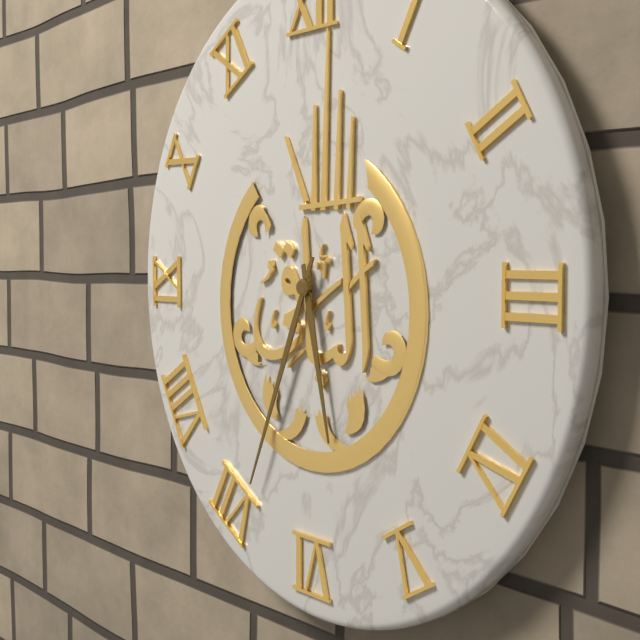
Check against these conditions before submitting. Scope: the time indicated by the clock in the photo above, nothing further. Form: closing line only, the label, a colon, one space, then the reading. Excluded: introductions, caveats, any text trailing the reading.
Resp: 5:34
